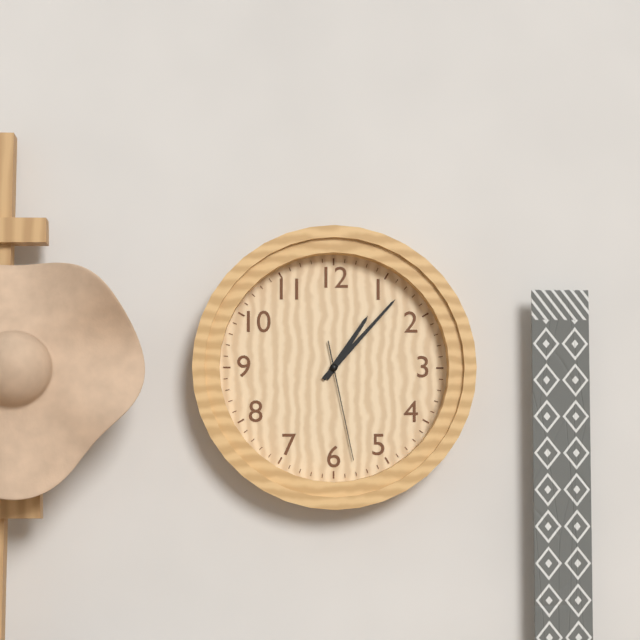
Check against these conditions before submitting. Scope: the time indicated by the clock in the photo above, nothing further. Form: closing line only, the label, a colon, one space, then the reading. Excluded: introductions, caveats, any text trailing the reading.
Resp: 1:07:28
